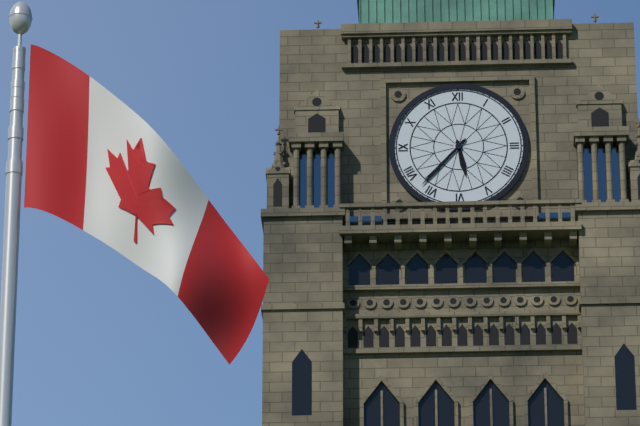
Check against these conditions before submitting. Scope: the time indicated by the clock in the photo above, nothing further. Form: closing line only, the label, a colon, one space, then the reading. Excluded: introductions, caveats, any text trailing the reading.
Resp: 5:37
